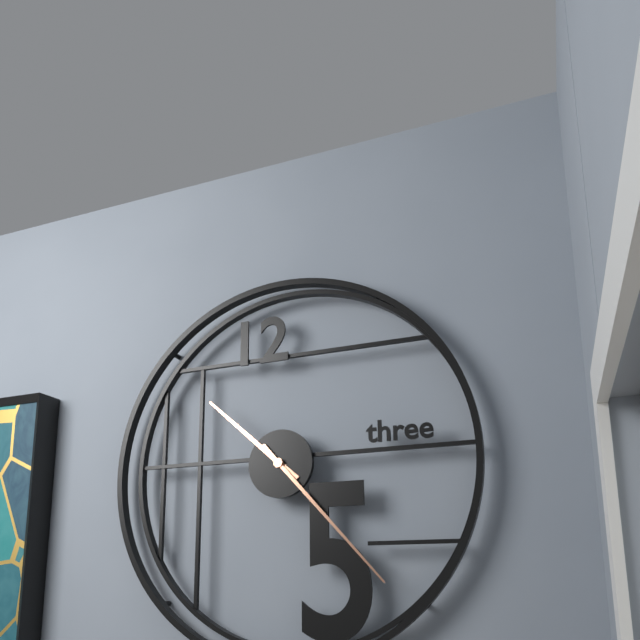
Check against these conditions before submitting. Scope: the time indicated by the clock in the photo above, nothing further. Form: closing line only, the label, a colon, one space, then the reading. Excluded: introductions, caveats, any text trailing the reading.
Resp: 10:23
